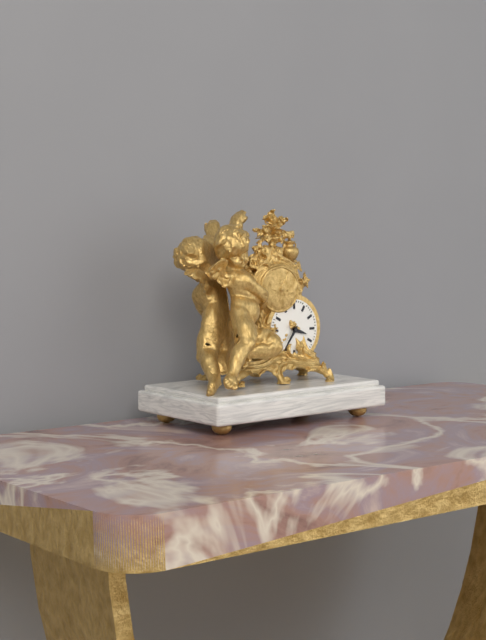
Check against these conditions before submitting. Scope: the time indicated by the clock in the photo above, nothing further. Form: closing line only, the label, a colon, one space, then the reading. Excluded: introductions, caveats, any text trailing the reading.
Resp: 3:36
